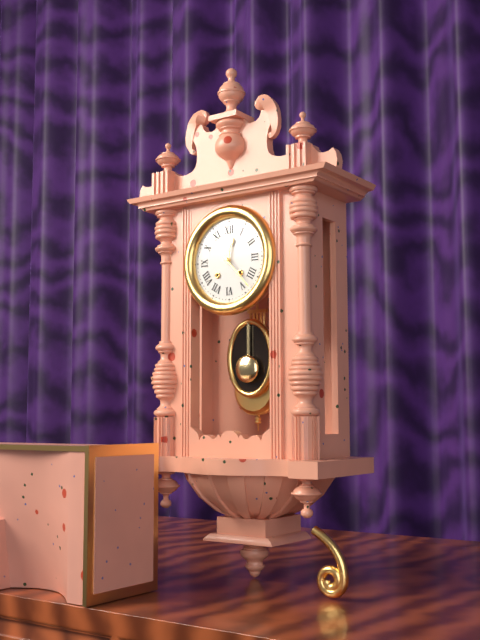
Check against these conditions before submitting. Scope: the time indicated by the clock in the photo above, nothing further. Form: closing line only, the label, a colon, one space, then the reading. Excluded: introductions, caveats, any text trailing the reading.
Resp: 12:23
